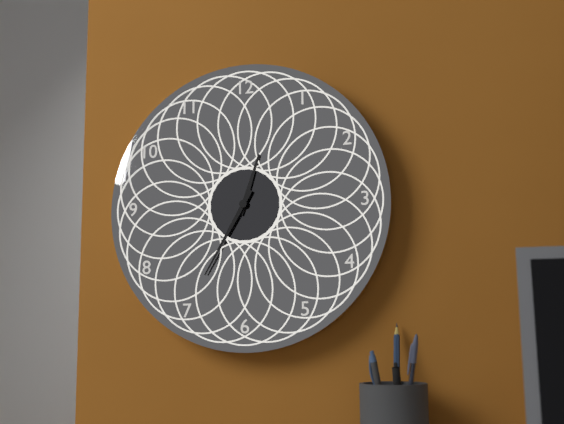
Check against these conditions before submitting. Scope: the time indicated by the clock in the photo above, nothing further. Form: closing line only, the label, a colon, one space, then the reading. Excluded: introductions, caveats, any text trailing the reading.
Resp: 12:35
